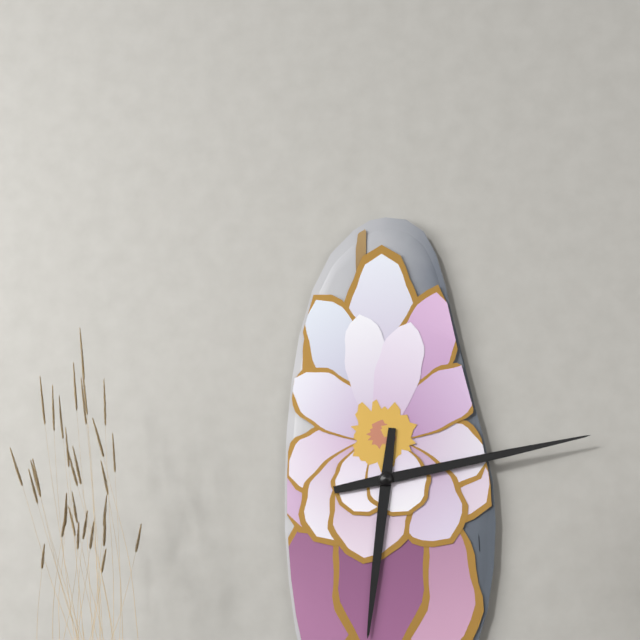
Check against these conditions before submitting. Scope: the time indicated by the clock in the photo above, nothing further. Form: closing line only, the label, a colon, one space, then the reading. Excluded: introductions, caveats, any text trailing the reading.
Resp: 6:13
